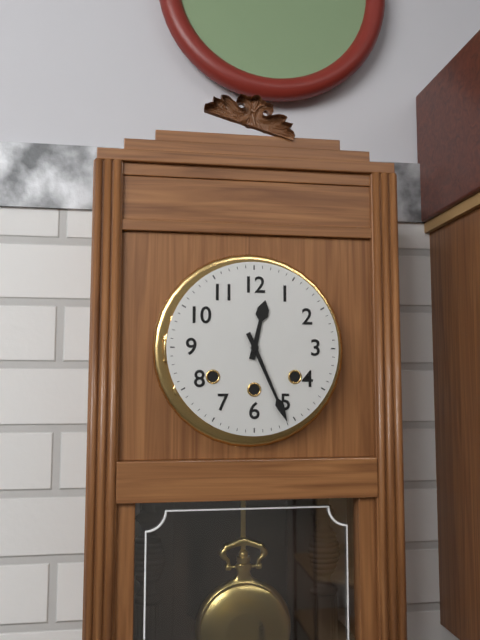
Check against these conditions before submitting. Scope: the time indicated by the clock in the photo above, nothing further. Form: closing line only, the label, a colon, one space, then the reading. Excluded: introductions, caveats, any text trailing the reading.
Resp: 12:26
